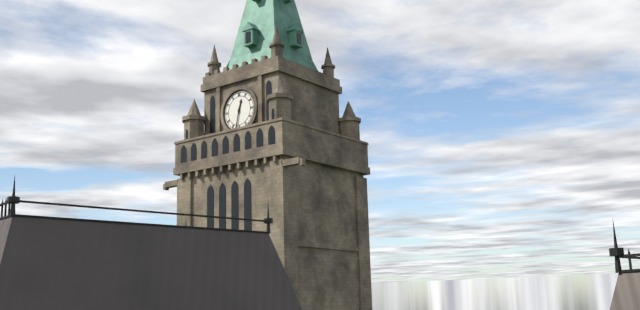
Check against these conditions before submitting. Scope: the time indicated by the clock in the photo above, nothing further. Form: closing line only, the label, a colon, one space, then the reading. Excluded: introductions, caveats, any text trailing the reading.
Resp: 12:32
